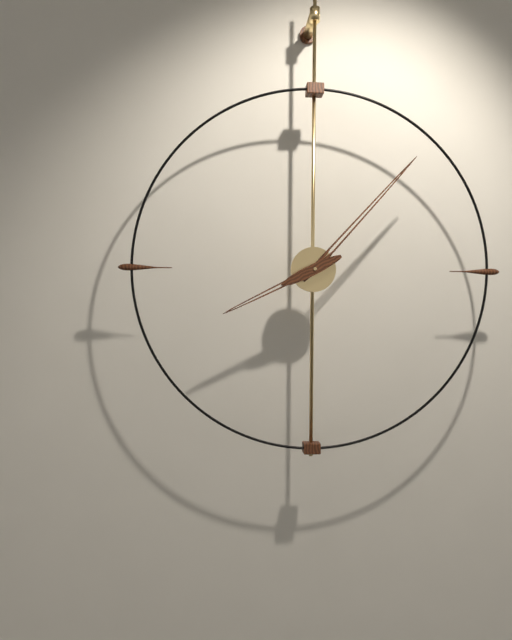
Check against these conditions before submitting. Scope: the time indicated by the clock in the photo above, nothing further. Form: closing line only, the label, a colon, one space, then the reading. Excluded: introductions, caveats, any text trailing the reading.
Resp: 8:07
